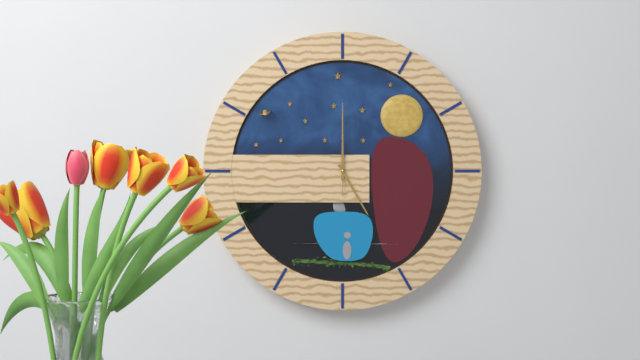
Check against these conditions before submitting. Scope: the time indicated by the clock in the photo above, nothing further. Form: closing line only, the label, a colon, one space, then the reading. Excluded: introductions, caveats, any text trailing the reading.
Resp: 5:00:00
